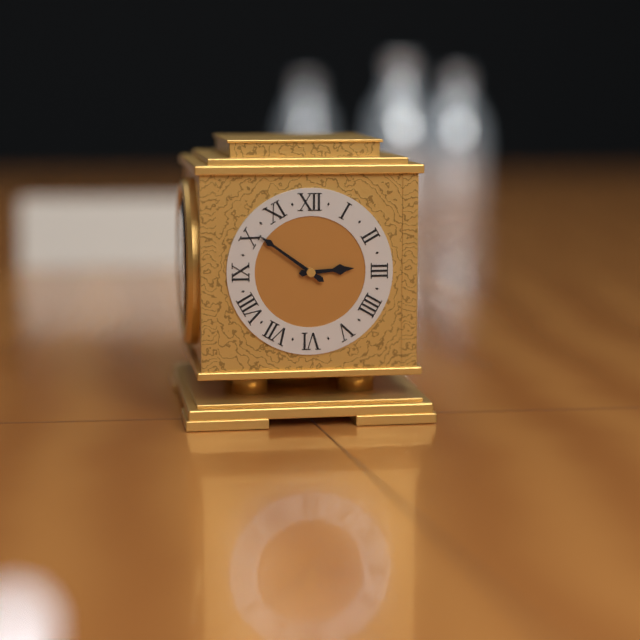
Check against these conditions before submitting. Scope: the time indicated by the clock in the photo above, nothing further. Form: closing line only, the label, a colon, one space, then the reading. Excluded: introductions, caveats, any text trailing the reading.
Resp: 2:51
